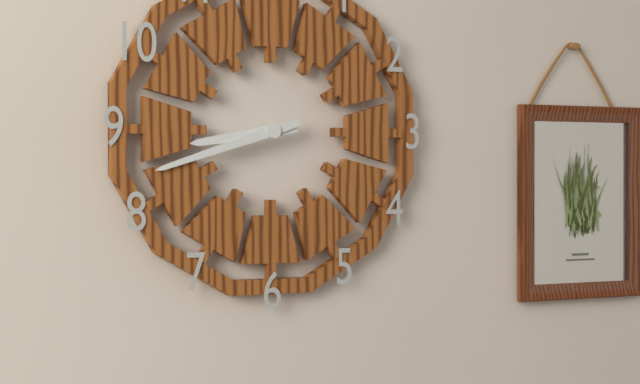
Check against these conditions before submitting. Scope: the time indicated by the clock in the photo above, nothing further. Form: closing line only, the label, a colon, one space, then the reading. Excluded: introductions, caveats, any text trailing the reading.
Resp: 8:42
